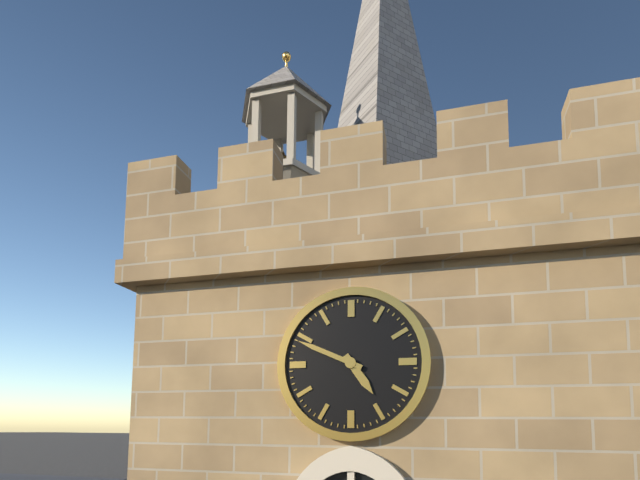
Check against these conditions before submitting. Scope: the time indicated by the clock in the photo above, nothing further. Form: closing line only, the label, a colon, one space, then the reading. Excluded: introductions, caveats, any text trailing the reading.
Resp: 4:49
